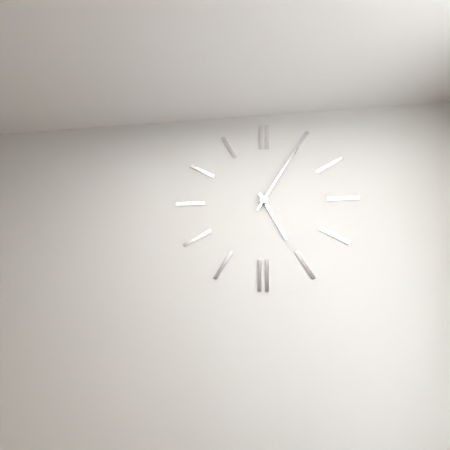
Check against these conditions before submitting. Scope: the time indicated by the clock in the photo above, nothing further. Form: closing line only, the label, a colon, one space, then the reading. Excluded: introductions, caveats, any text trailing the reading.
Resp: 5:05
